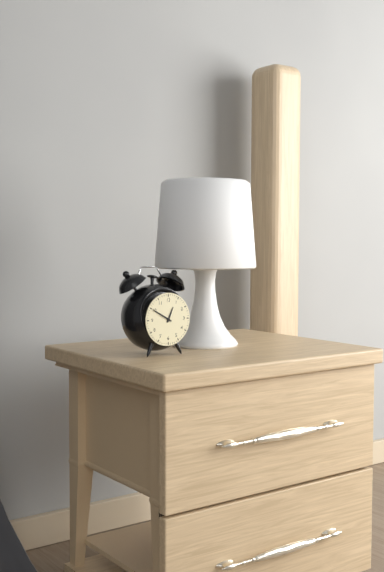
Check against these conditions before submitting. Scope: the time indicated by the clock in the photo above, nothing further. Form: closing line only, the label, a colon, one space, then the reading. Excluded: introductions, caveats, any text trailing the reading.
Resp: 12:50
